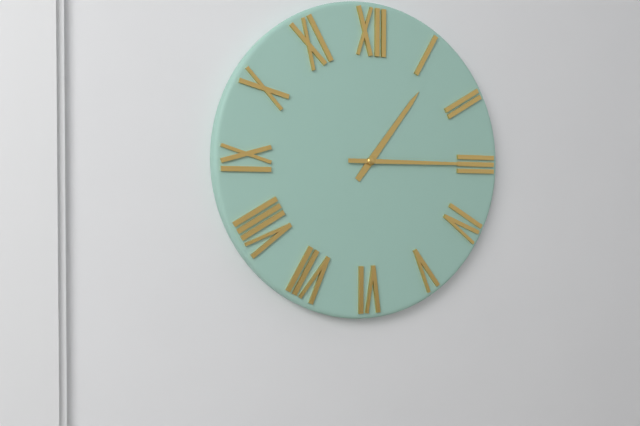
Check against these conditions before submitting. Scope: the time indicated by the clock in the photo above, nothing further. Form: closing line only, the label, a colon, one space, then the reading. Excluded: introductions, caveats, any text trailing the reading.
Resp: 1:15
